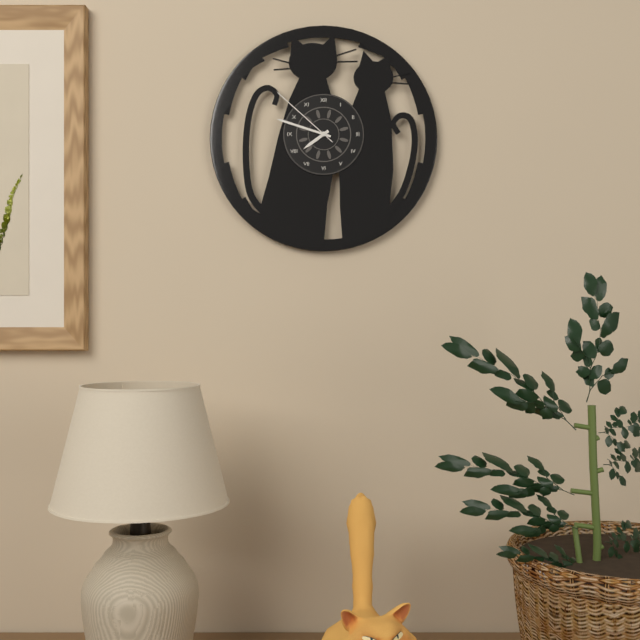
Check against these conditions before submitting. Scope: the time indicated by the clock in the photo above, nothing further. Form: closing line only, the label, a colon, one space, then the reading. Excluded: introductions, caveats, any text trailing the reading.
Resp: 7:48:52
